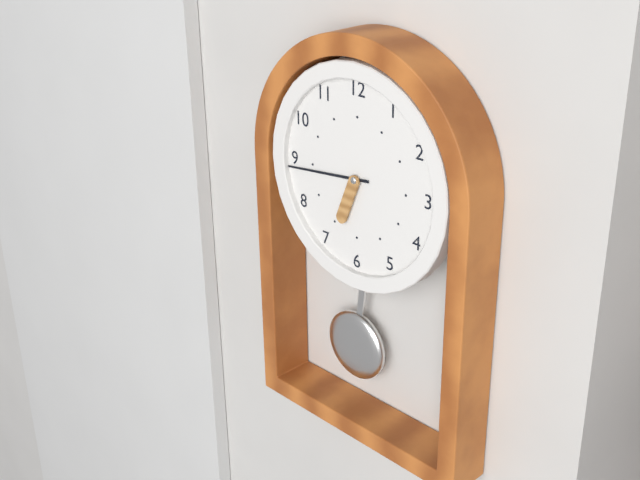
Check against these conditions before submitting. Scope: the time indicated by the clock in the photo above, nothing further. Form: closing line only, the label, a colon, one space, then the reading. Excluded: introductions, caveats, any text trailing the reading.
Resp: 6:44
